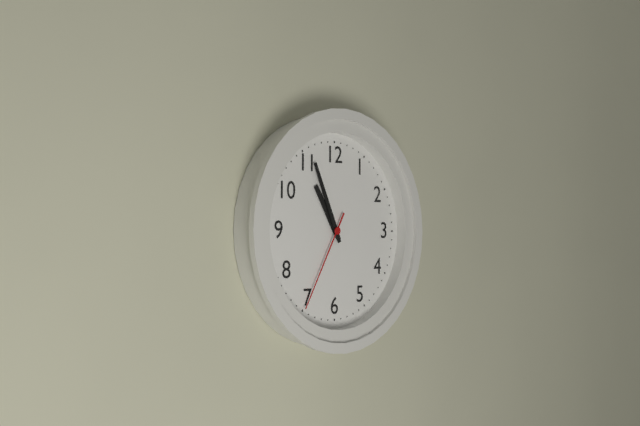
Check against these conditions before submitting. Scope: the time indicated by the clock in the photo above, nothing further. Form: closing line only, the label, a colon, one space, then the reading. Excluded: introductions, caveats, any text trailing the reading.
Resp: 10:56:35
